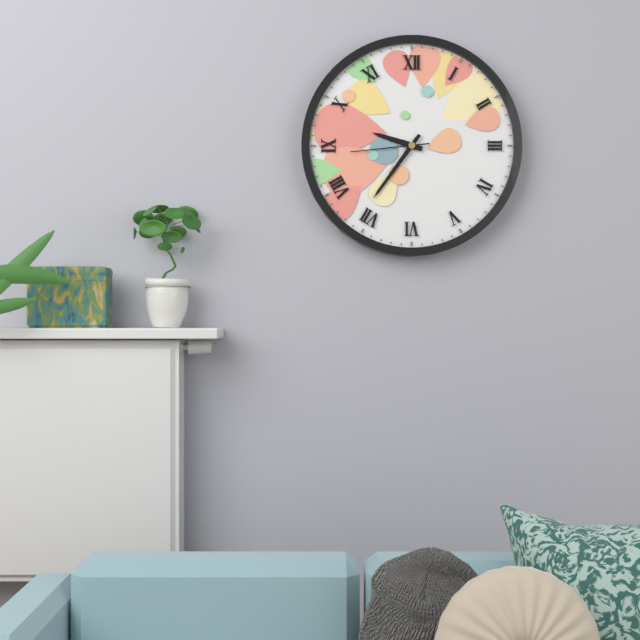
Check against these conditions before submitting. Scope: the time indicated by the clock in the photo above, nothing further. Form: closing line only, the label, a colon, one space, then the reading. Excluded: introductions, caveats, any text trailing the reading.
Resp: 9:36:44
